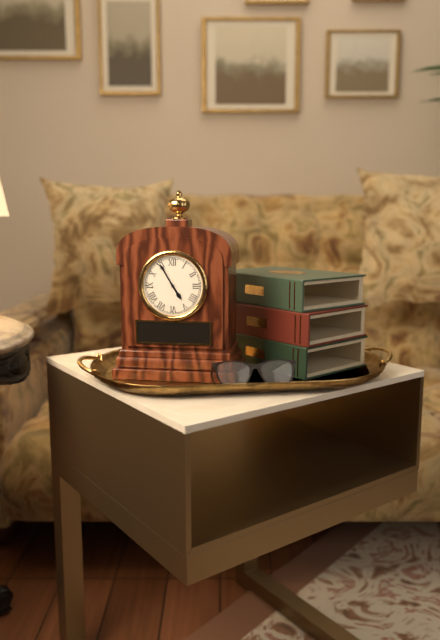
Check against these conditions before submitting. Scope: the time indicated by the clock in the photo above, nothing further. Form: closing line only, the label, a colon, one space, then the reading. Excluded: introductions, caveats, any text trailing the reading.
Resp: 4:55
